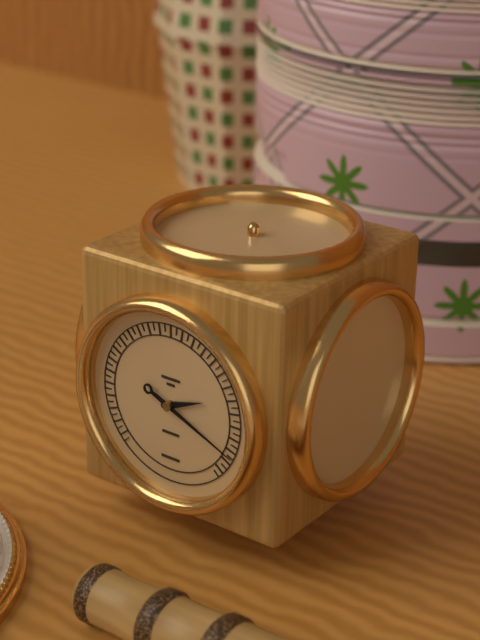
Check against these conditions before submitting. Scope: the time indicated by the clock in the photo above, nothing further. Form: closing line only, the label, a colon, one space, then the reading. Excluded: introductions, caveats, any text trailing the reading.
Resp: 2:19
